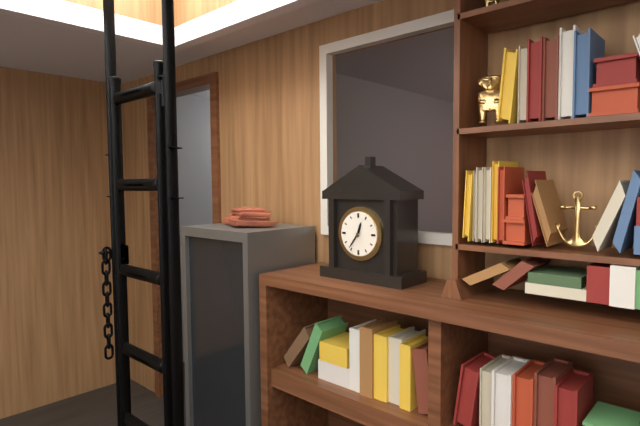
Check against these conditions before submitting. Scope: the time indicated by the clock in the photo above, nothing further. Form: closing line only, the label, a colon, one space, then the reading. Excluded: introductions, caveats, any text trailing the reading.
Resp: 12:36
